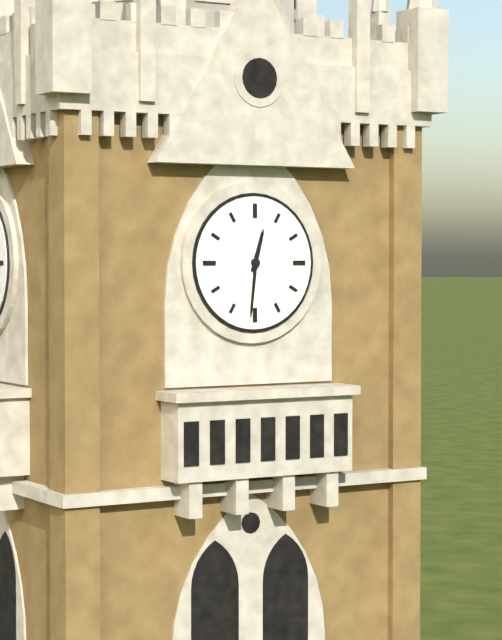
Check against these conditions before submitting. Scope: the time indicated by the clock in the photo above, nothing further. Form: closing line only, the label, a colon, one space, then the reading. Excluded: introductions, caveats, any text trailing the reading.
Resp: 12:31
